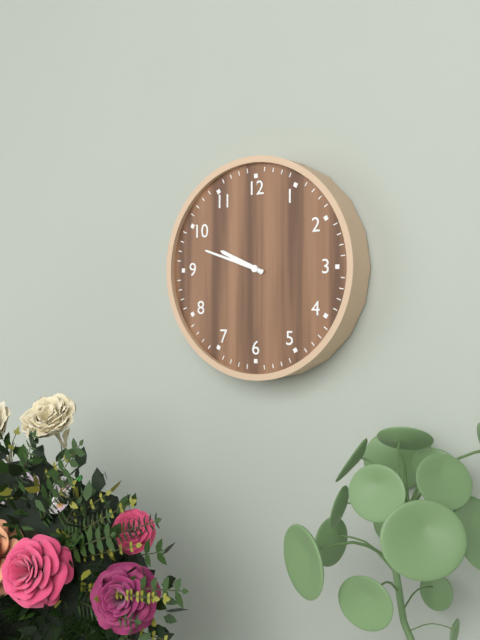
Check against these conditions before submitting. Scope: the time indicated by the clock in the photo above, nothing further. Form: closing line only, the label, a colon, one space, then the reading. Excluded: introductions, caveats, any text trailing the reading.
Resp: 9:48
